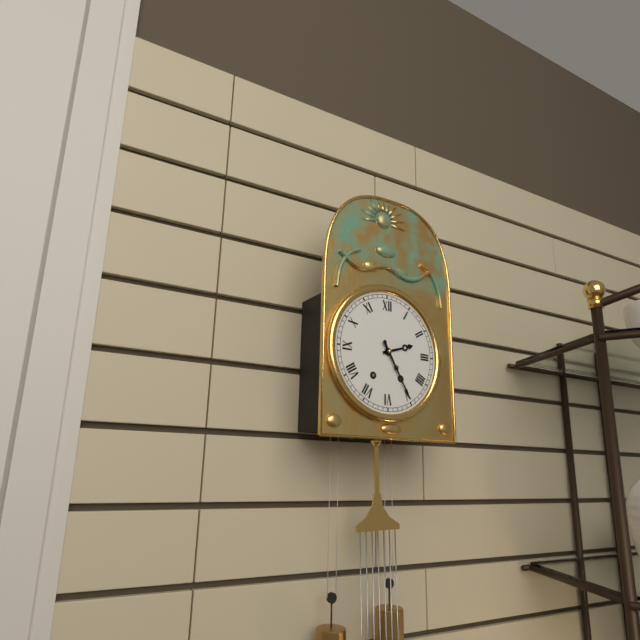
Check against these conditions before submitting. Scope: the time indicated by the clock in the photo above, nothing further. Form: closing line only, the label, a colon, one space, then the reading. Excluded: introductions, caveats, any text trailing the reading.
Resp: 2:25
